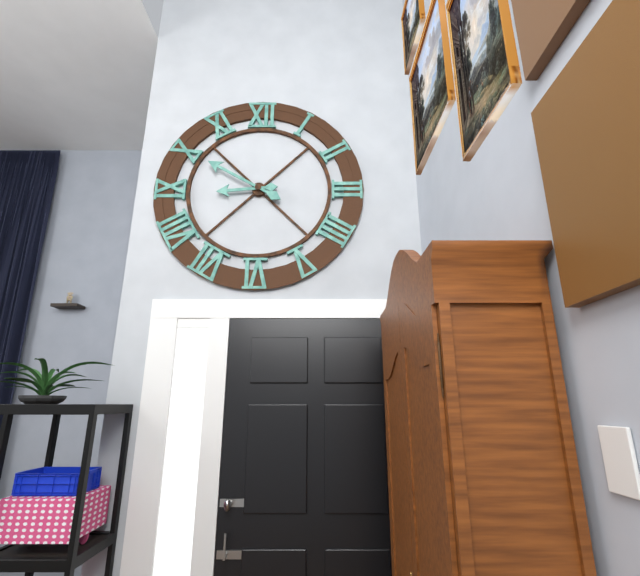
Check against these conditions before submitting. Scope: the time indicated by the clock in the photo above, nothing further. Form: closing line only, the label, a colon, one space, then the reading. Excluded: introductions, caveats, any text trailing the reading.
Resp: 8:50
